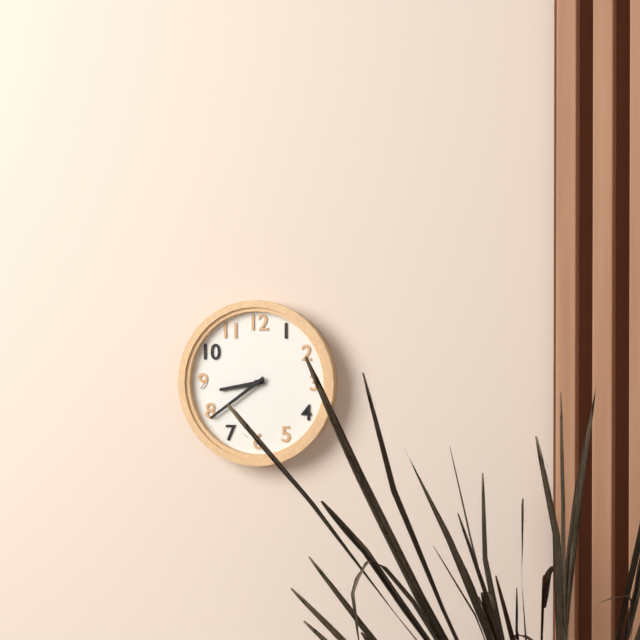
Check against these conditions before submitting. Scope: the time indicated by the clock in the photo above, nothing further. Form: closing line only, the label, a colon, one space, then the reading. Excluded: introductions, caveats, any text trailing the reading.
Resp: 8:39
